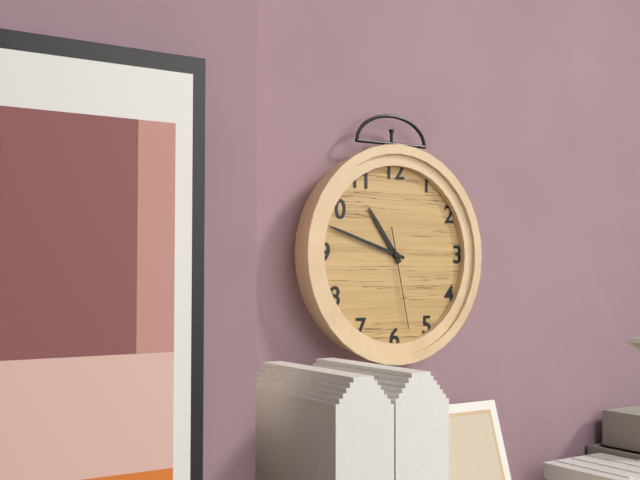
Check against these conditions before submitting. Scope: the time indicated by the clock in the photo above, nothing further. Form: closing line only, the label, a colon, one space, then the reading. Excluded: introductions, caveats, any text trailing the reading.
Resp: 10:48:28
